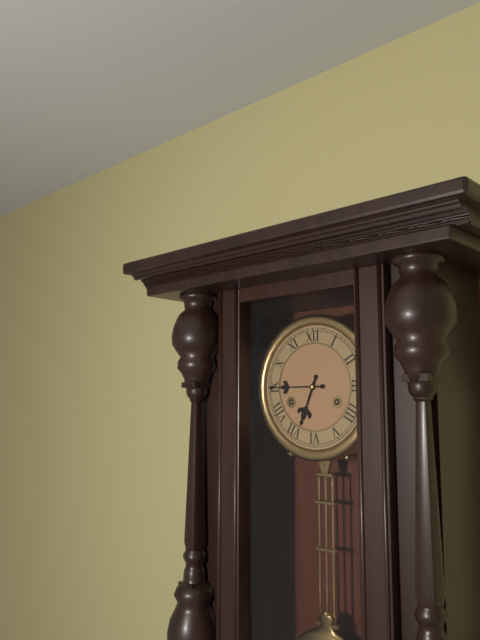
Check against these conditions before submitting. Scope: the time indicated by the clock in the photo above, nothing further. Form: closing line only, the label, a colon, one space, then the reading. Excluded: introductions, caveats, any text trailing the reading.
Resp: 6:45
